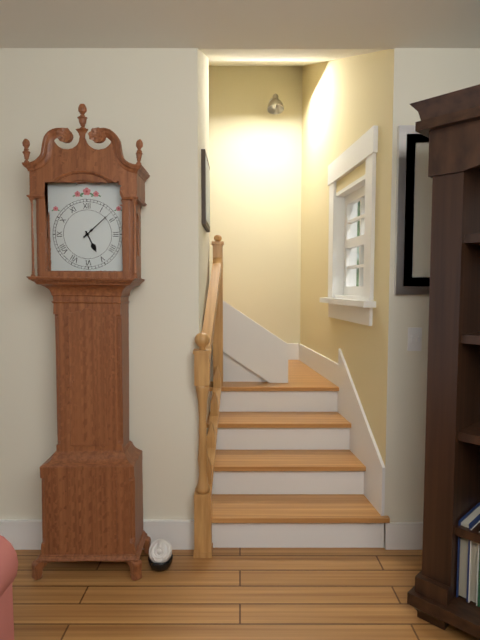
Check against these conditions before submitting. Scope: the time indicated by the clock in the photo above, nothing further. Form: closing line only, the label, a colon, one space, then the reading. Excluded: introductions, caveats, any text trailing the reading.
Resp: 5:08
